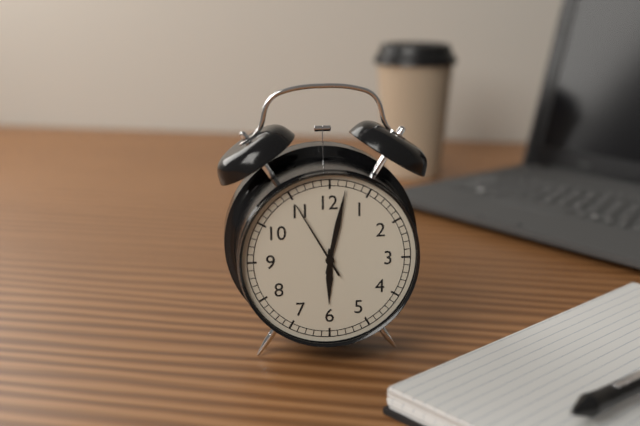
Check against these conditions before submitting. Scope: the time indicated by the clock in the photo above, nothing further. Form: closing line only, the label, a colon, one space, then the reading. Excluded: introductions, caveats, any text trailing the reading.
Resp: 6:02:55
